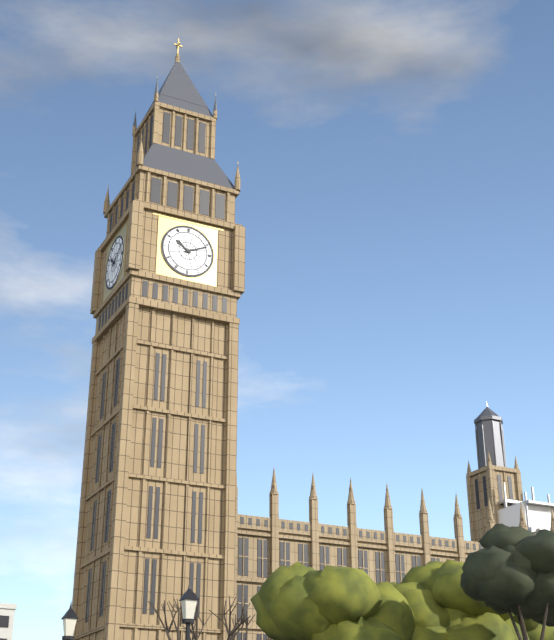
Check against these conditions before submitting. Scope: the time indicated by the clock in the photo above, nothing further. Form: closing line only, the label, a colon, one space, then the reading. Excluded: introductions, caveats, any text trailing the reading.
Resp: 10:11
